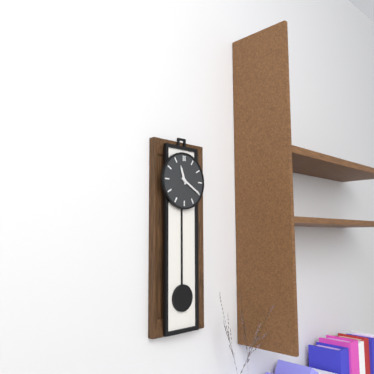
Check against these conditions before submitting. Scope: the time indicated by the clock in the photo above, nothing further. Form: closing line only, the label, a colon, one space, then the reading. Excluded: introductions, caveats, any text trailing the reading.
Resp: 11:20
